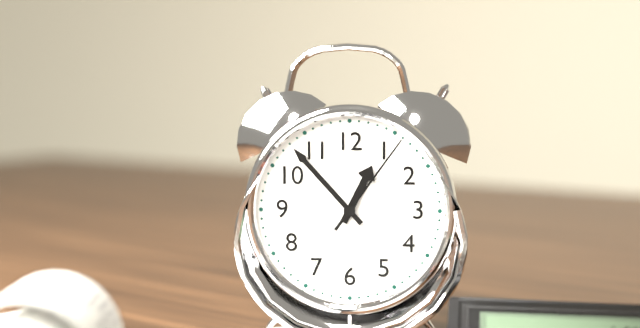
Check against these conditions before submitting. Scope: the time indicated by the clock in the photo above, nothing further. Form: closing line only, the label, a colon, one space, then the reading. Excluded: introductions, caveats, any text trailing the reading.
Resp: 12:53:06
